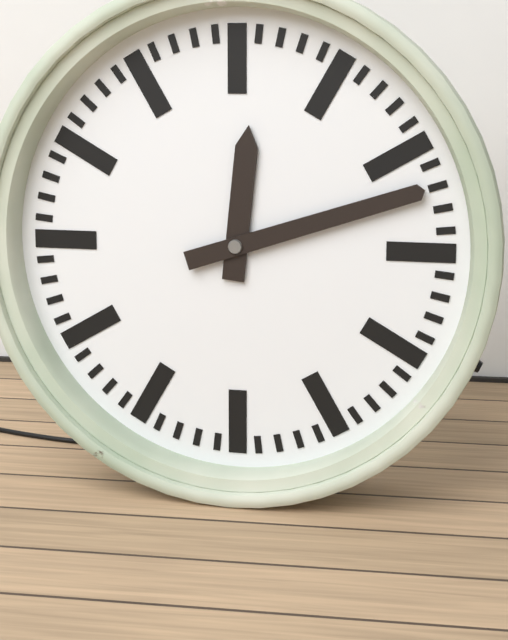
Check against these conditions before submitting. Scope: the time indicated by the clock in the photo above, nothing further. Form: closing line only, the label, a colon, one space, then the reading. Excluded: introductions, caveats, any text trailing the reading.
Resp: 12:12
